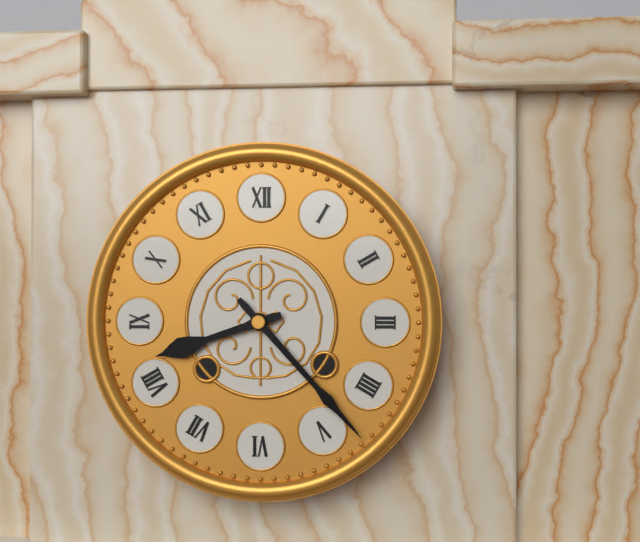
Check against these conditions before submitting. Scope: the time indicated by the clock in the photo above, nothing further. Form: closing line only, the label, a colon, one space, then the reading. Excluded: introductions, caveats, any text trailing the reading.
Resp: 8:23
